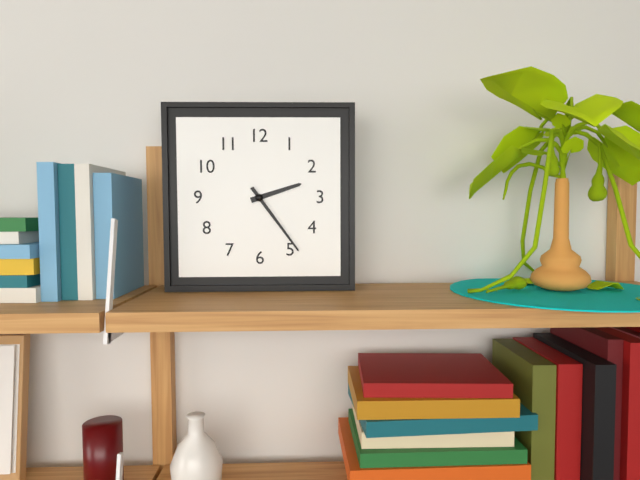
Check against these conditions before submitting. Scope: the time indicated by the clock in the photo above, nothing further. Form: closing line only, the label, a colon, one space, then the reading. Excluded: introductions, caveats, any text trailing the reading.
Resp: 2:24
